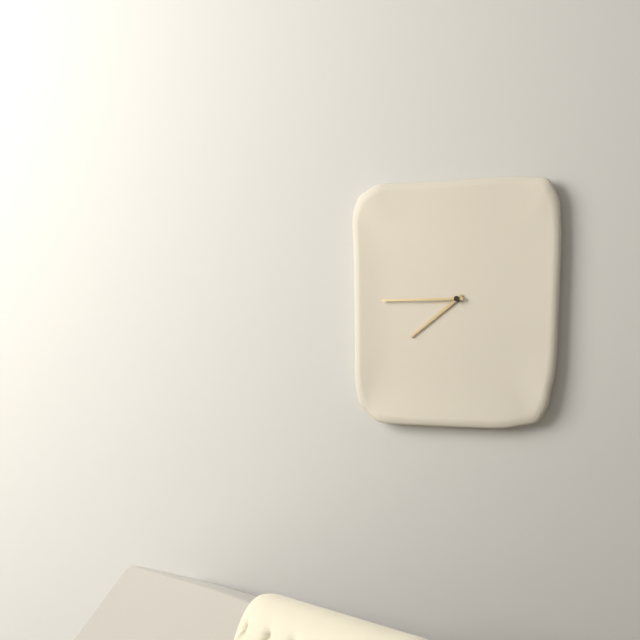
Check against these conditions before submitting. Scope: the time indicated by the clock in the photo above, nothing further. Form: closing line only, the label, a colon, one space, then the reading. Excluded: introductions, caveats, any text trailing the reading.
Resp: 7:45
